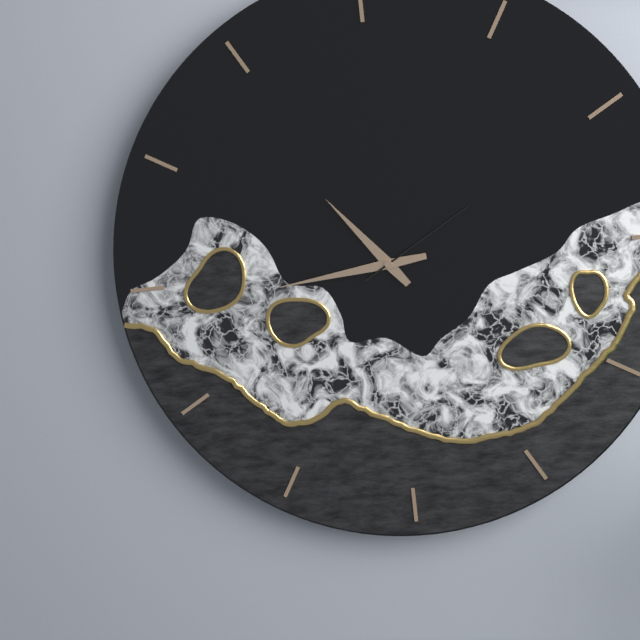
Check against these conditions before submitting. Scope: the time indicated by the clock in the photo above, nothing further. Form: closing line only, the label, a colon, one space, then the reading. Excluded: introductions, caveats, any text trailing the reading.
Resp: 10:44:10
